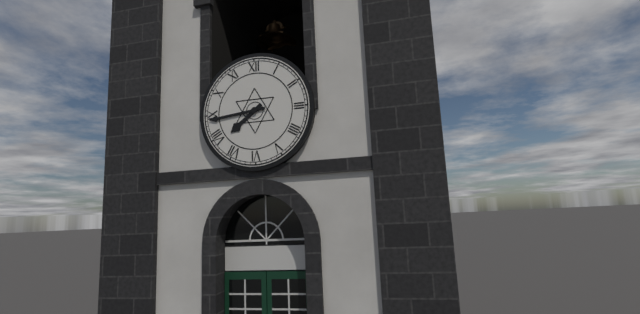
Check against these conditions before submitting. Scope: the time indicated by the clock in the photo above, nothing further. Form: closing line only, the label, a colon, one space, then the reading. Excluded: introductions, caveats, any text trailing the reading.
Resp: 7:44
